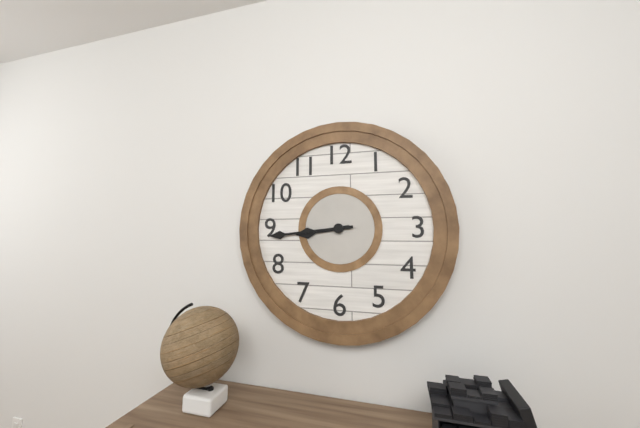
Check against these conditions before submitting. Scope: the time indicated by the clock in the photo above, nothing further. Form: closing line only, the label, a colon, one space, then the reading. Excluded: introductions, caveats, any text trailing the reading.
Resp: 8:44
